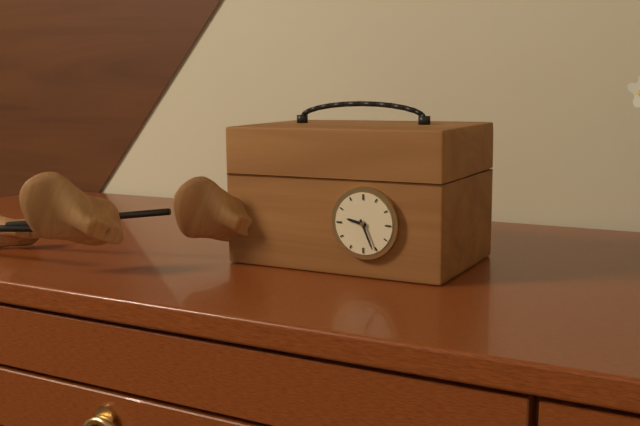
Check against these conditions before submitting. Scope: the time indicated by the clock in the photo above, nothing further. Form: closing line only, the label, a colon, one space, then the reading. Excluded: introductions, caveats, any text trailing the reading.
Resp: 9:26
